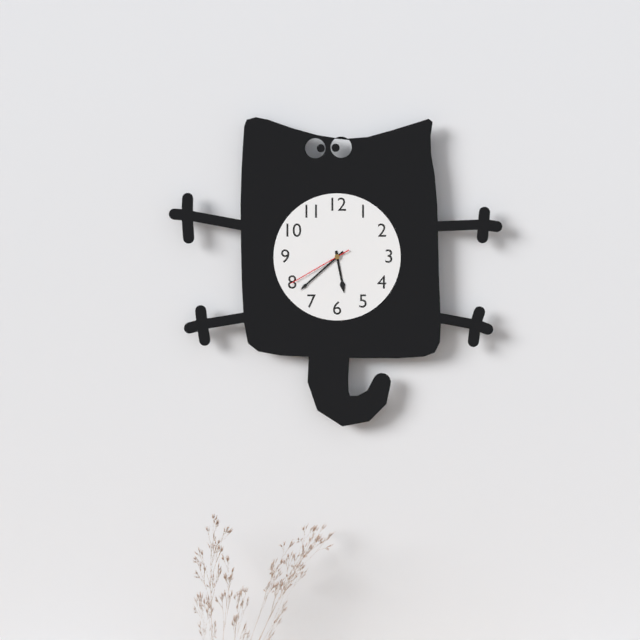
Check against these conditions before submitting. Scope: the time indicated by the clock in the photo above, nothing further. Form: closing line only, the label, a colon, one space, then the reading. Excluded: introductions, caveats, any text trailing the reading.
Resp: 5:38:40
